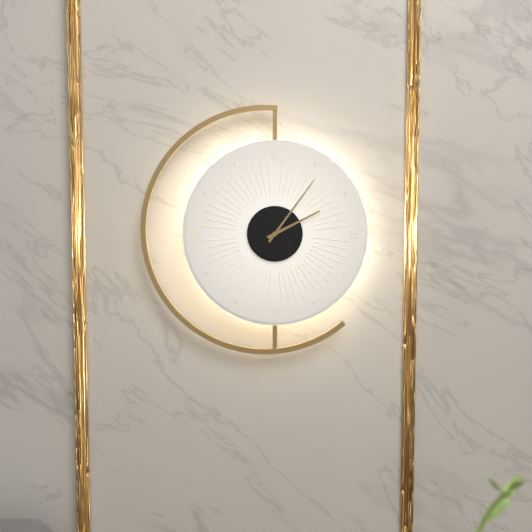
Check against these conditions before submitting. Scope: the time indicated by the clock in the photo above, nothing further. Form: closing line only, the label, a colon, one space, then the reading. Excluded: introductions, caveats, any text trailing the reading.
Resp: 2:06
